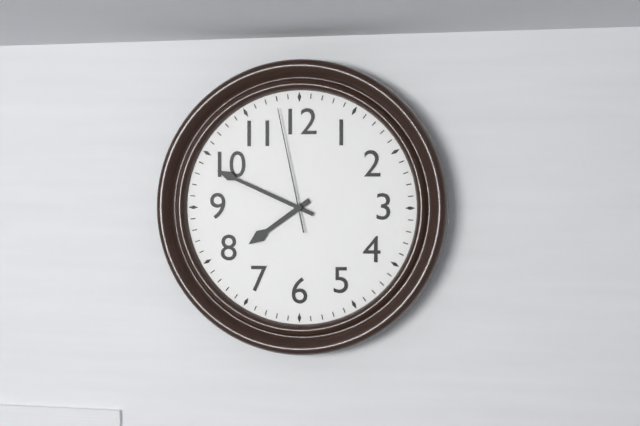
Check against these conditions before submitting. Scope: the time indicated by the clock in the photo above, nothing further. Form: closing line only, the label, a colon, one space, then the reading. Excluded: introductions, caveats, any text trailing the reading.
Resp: 7:49:58
